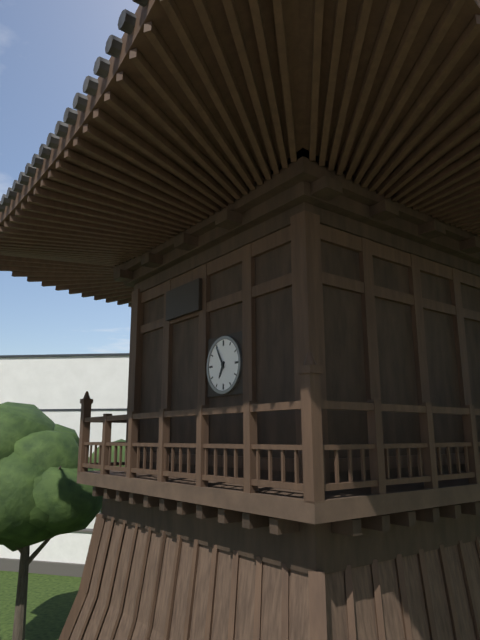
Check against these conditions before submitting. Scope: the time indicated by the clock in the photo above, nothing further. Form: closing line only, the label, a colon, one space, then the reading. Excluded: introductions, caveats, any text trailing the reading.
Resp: 6:55
